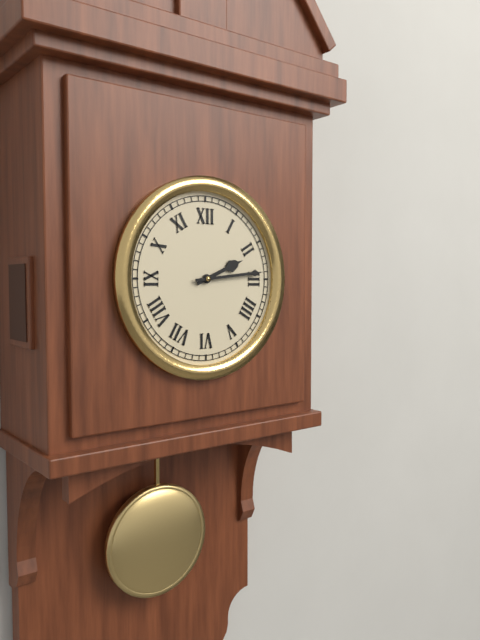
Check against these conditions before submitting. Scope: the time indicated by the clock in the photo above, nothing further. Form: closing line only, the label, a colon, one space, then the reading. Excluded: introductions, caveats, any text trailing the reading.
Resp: 2:14
